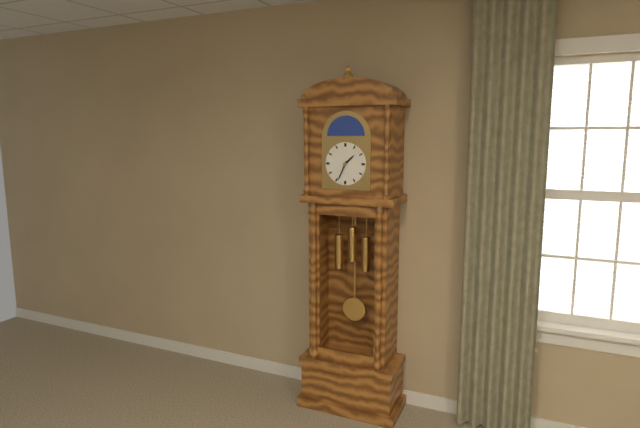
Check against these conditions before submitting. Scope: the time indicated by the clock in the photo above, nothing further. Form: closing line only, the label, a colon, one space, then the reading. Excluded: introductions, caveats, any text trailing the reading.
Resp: 1:34
